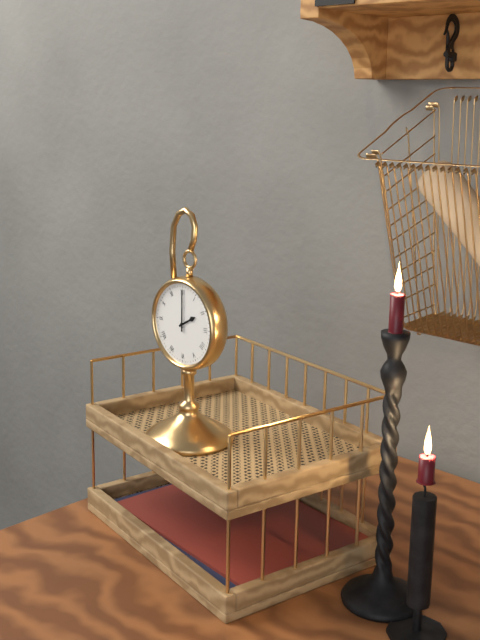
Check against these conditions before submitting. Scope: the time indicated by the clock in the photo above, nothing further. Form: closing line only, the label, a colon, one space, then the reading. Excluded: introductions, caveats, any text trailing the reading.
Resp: 2:00
